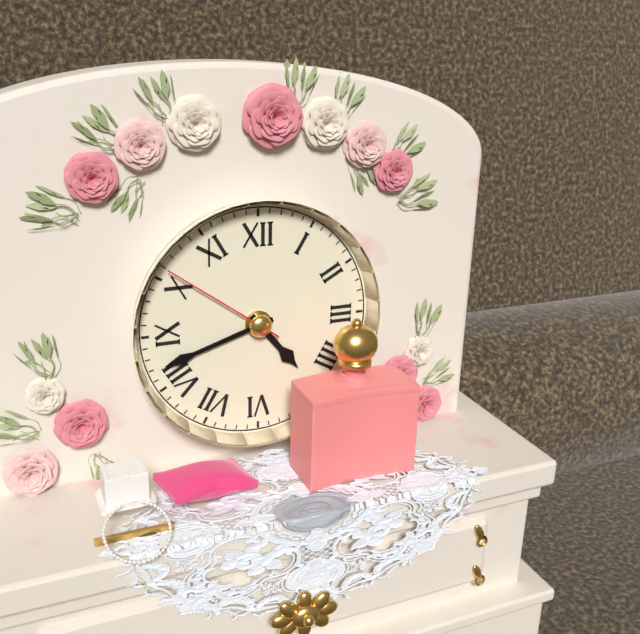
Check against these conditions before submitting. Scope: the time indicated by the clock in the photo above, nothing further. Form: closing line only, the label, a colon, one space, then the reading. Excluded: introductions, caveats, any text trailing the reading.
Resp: 4:42:51
